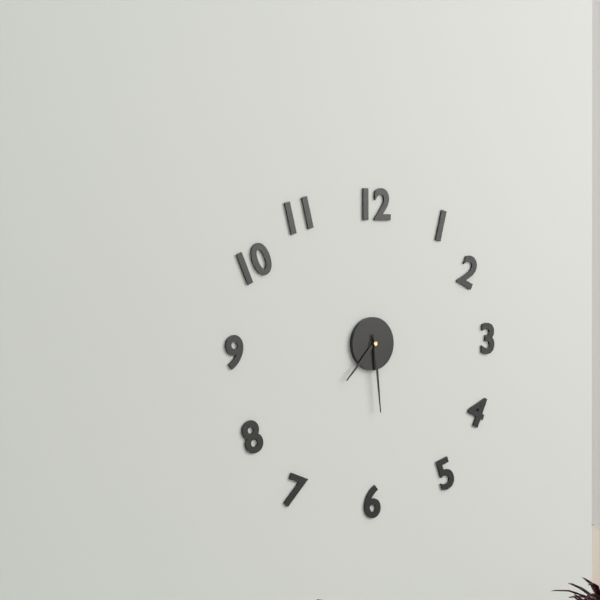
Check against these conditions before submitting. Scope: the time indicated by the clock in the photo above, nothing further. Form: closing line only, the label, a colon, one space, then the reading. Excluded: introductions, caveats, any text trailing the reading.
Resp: 7:29
